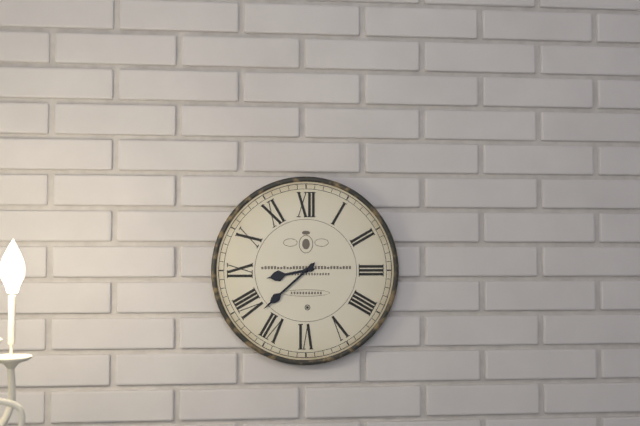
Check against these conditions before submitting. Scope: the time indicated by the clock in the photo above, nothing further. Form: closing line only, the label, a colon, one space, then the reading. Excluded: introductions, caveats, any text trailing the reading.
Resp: 8:38
